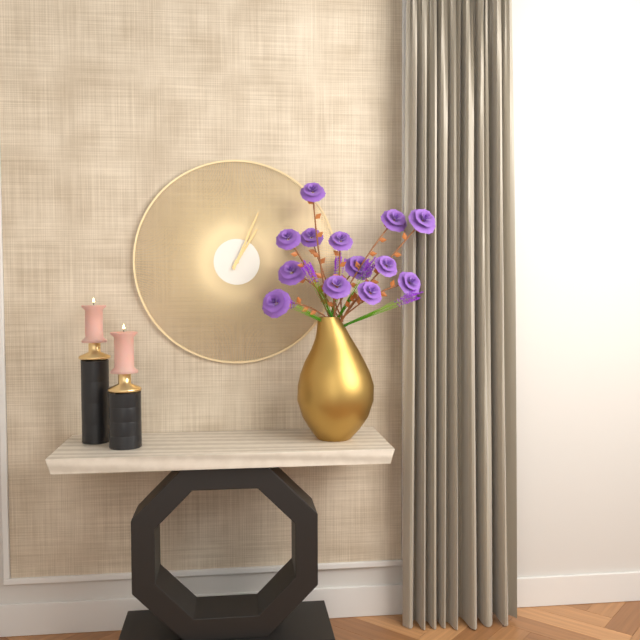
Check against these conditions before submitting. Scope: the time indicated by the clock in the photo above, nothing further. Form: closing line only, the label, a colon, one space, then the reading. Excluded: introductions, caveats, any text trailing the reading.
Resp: 1:04
